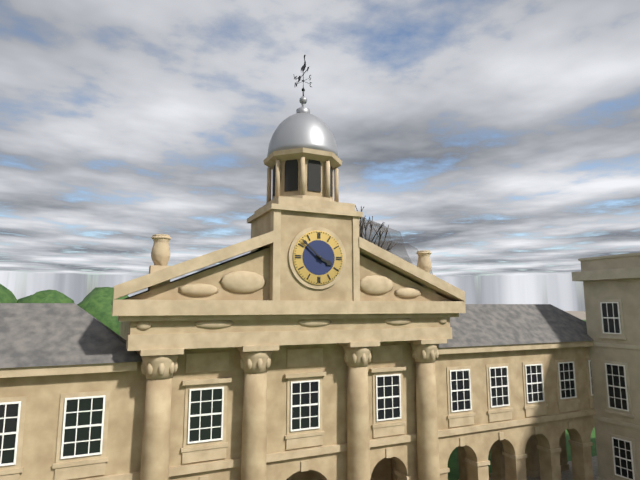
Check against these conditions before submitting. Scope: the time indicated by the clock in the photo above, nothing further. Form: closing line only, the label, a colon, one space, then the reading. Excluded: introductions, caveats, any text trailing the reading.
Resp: 3:52
